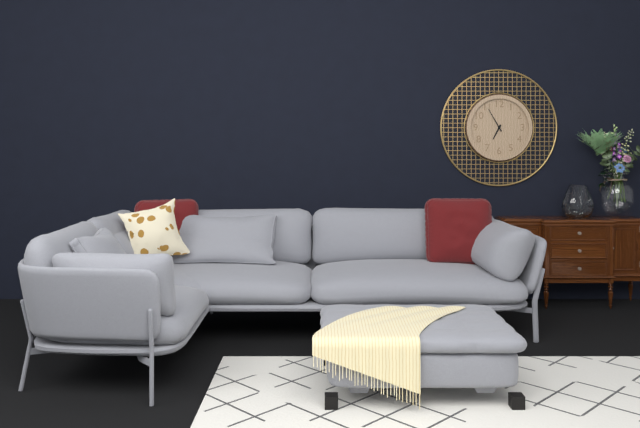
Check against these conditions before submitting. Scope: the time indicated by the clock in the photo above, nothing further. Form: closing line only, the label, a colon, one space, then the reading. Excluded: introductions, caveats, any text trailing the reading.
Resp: 6:55
